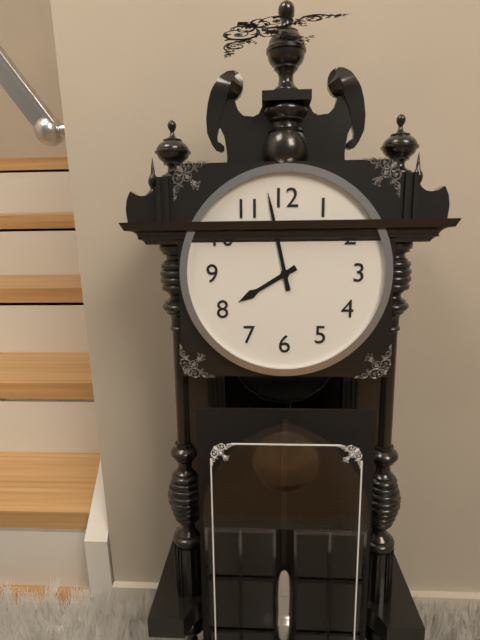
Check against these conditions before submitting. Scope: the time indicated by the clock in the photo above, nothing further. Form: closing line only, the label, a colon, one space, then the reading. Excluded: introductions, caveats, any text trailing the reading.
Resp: 7:58
